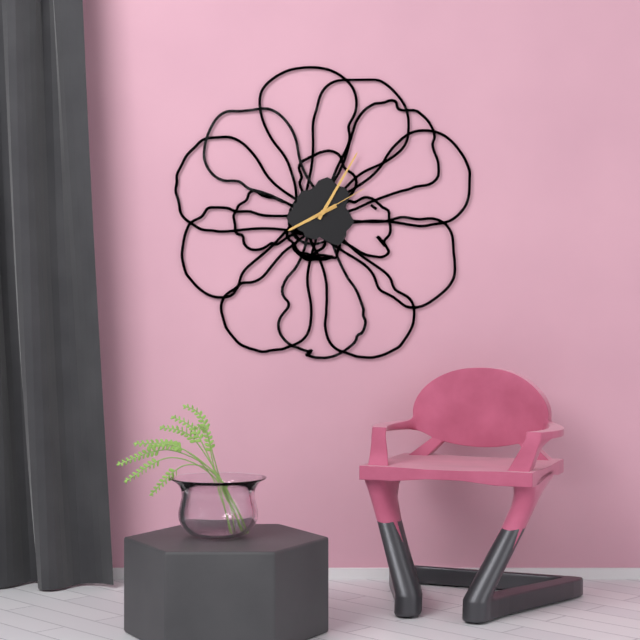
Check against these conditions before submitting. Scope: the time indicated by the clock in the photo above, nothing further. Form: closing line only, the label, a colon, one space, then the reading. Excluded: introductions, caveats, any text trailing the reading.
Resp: 8:05:10
